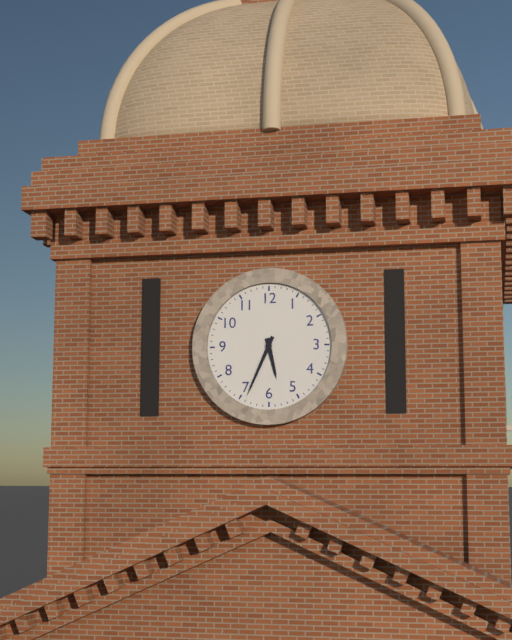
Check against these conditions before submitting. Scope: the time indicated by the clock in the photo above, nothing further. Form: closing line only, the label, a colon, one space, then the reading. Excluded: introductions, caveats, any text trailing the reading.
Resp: 5:34
